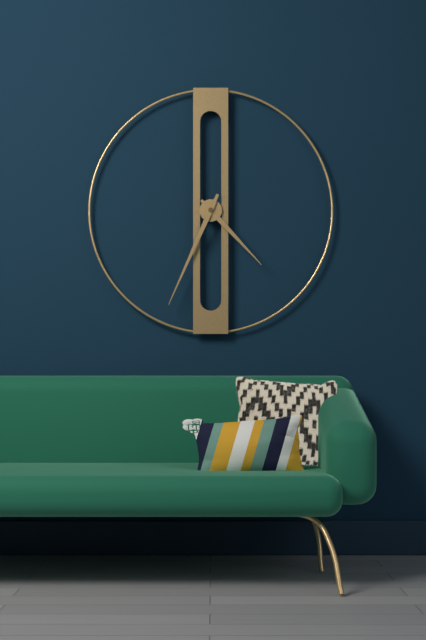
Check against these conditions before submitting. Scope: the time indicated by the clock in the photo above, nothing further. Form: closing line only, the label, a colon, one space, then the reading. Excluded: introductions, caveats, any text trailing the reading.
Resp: 4:34
